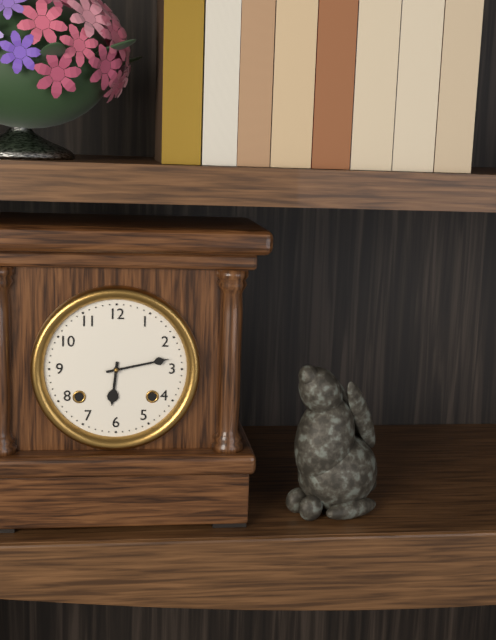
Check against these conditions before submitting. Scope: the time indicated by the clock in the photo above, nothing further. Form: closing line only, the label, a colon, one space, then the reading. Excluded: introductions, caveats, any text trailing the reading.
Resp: 6:13
